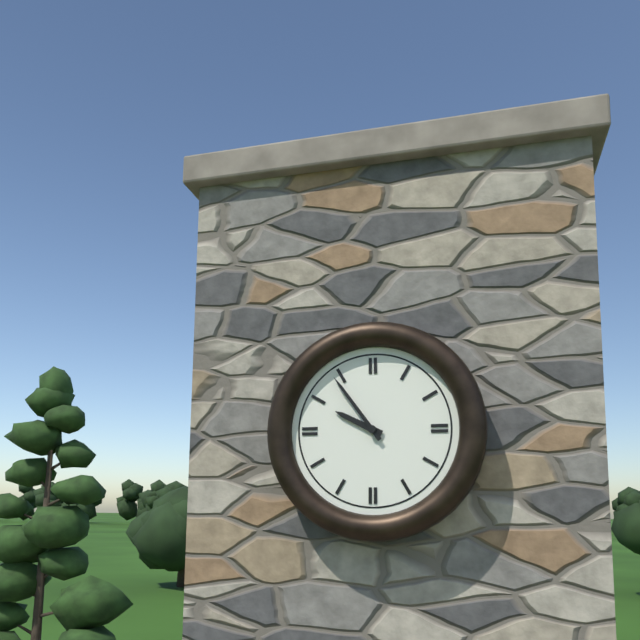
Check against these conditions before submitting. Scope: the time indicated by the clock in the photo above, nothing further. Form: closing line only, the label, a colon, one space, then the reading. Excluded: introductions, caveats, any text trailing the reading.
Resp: 9:54
